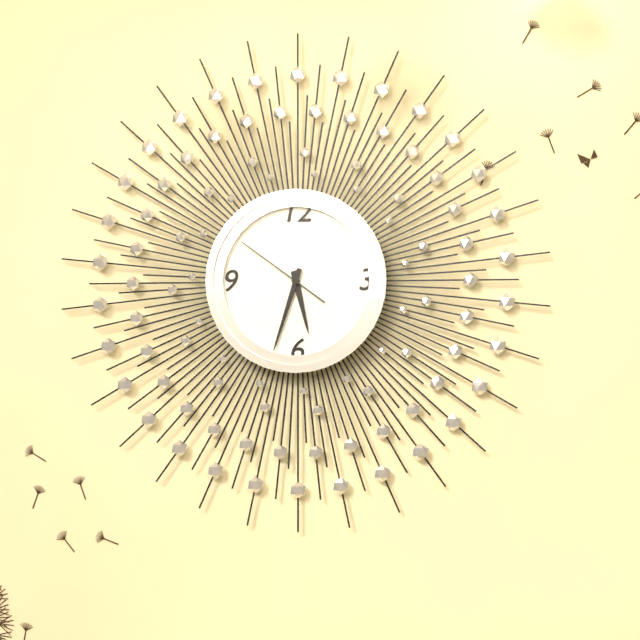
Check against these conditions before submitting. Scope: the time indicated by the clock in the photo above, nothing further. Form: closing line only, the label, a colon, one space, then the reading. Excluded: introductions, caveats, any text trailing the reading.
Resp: 5:33:51
